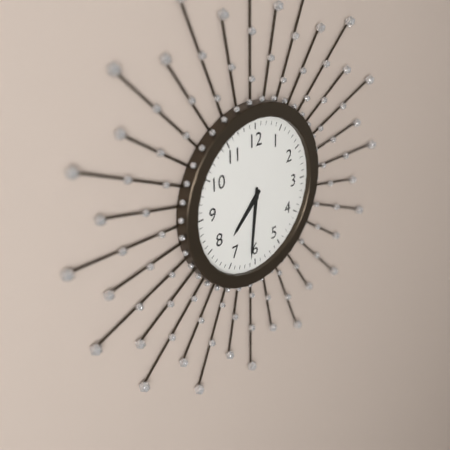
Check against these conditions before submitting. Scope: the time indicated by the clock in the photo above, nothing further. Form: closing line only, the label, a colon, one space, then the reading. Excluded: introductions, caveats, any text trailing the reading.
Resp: 7:31
